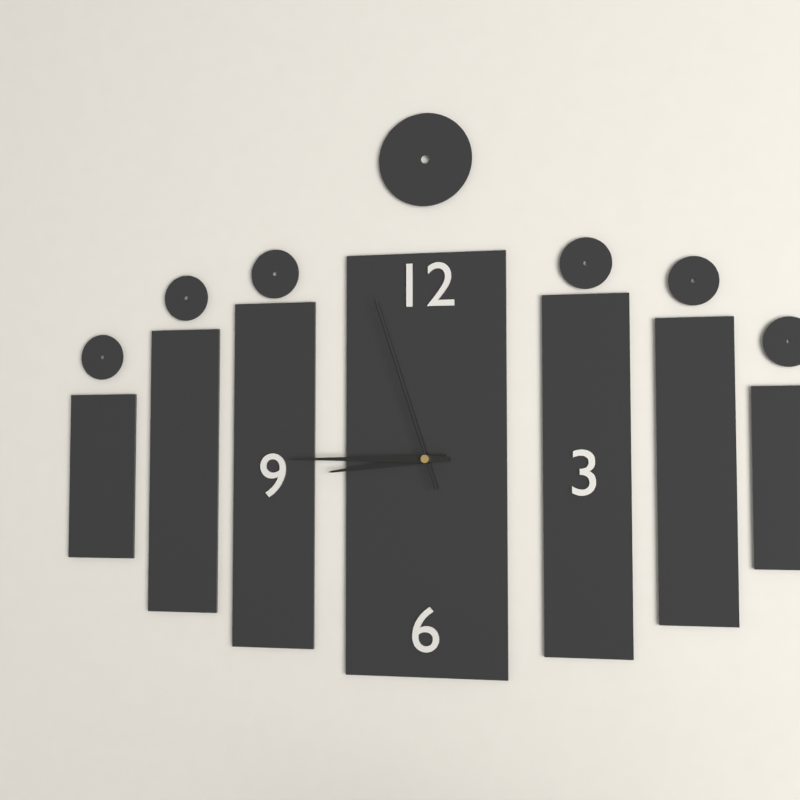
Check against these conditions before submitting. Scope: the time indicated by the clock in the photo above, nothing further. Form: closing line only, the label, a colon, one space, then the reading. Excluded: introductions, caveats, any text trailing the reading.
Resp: 8:45:57
